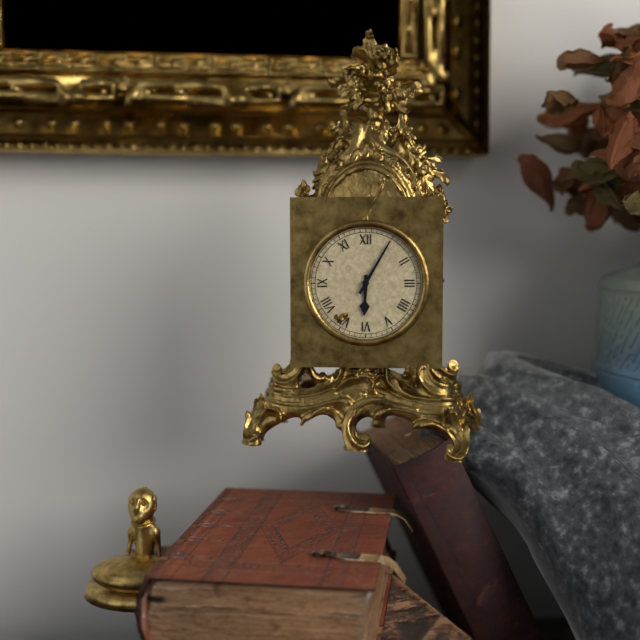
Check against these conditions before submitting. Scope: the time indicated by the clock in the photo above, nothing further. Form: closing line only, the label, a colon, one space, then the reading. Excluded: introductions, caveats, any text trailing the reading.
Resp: 6:05
